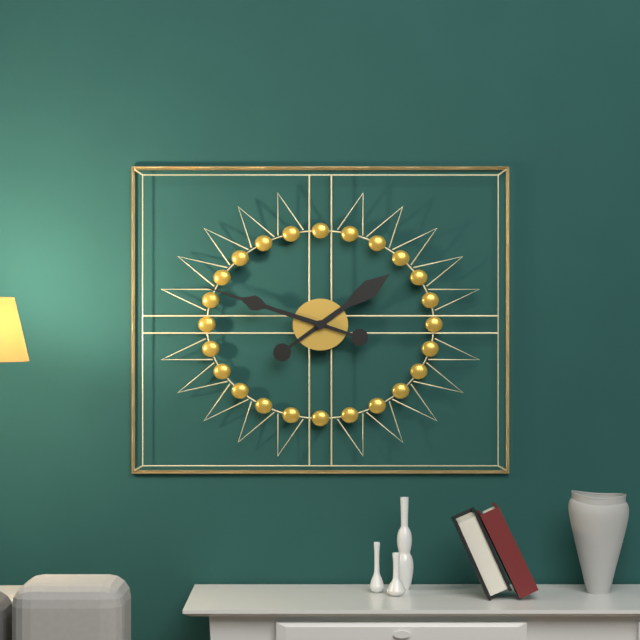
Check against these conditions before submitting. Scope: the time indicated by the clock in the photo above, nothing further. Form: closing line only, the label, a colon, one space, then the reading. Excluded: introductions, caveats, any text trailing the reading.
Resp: 1:48
